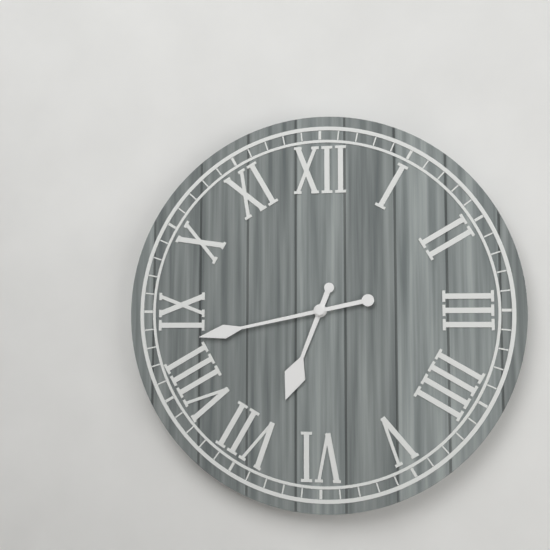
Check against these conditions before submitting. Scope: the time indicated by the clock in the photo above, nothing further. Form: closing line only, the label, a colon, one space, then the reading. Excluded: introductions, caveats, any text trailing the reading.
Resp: 6:43
